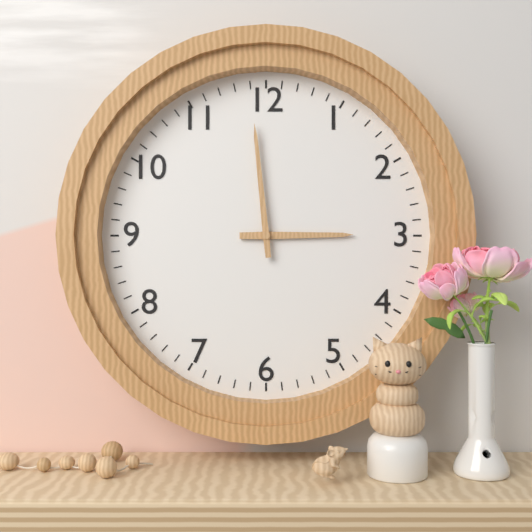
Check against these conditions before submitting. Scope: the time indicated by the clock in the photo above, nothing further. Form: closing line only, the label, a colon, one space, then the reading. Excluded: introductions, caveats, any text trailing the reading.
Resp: 2:59
